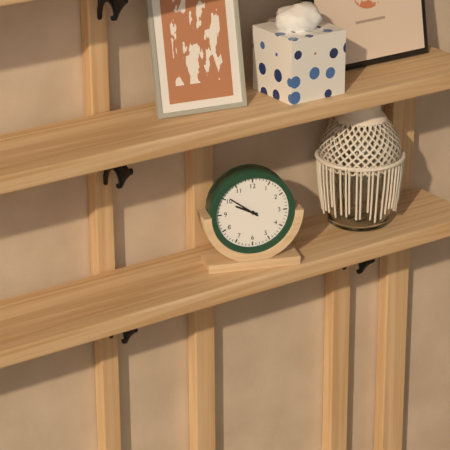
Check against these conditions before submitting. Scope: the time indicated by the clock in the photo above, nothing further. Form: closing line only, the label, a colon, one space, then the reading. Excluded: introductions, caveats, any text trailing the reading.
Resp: 9:51
